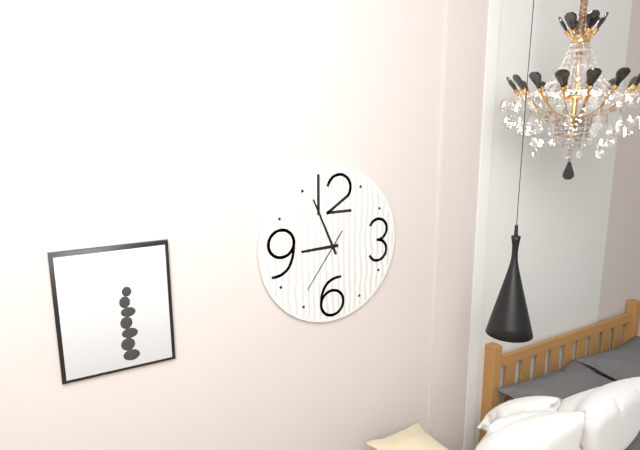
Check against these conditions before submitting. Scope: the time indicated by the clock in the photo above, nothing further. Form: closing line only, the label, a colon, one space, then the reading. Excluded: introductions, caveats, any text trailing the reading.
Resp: 8:56:36
